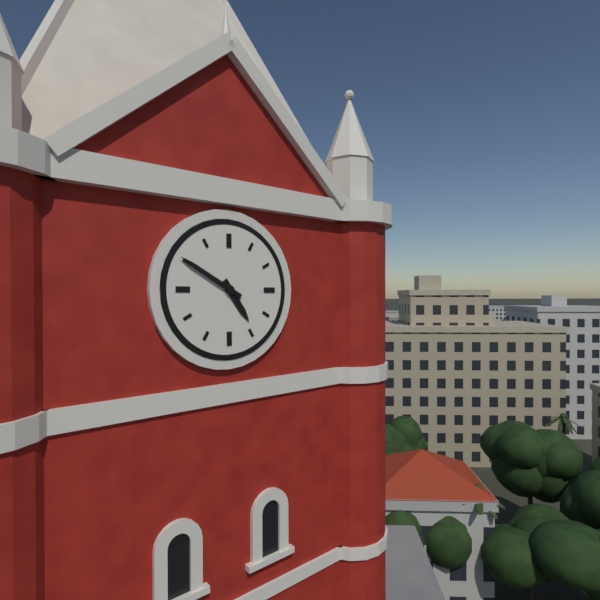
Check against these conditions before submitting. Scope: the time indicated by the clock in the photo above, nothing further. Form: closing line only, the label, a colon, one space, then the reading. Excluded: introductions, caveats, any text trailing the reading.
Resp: 4:50
